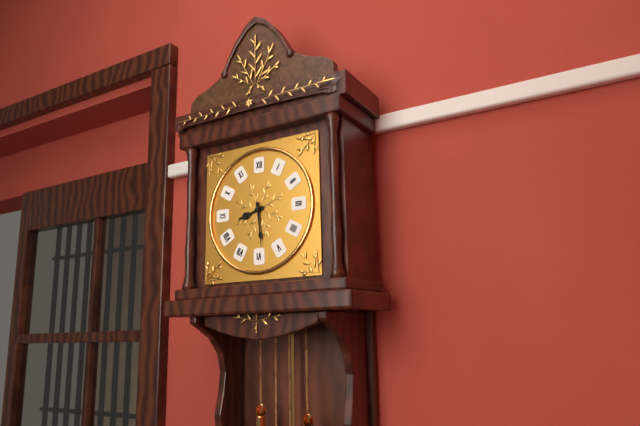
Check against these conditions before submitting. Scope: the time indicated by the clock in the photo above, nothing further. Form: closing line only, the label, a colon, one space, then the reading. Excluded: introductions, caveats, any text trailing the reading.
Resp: 8:29
